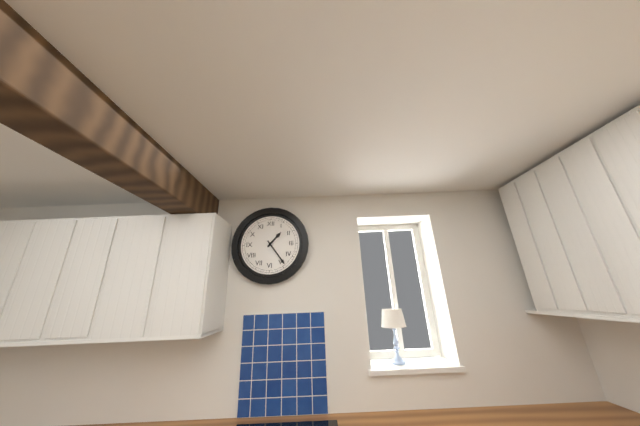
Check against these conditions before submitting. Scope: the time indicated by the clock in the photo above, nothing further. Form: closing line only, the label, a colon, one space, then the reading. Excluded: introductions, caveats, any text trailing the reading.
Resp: 1:24
